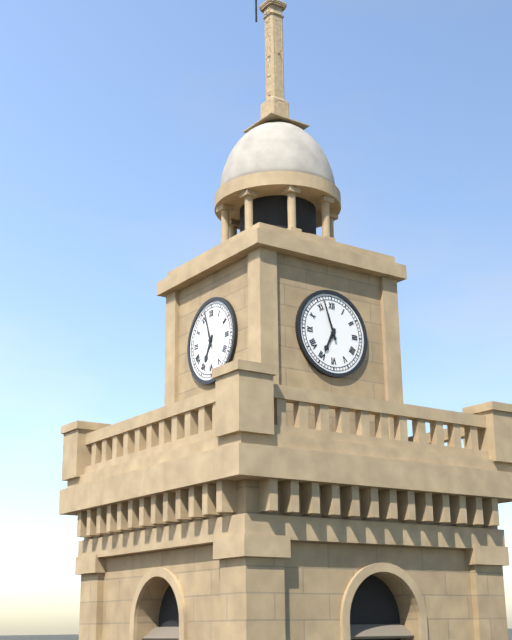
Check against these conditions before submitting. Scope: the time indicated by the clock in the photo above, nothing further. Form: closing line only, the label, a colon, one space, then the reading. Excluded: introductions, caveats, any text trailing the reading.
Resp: 6:57
